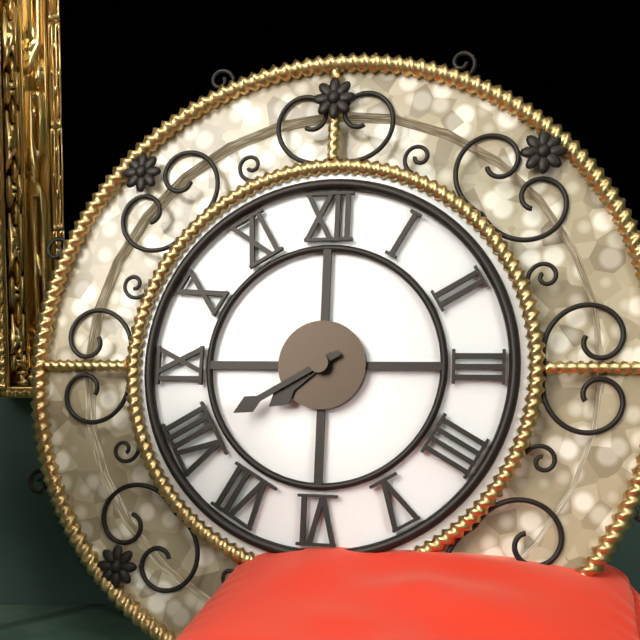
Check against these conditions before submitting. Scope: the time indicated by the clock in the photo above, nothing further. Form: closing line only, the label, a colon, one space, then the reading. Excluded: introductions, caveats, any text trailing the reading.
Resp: 7:40
